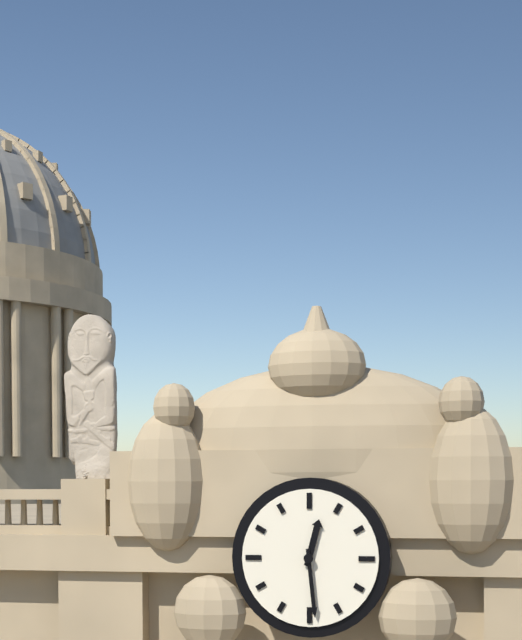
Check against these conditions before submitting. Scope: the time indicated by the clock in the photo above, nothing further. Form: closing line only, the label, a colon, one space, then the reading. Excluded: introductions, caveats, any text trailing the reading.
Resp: 12:29
